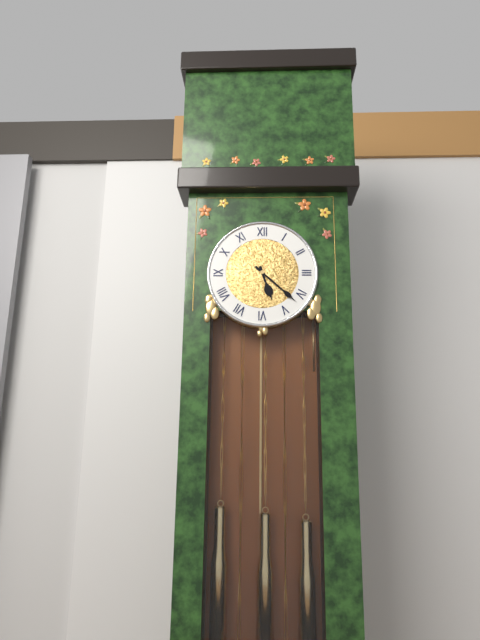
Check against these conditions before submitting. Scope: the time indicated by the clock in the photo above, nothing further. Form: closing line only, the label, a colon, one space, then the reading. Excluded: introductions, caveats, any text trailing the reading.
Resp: 5:22
